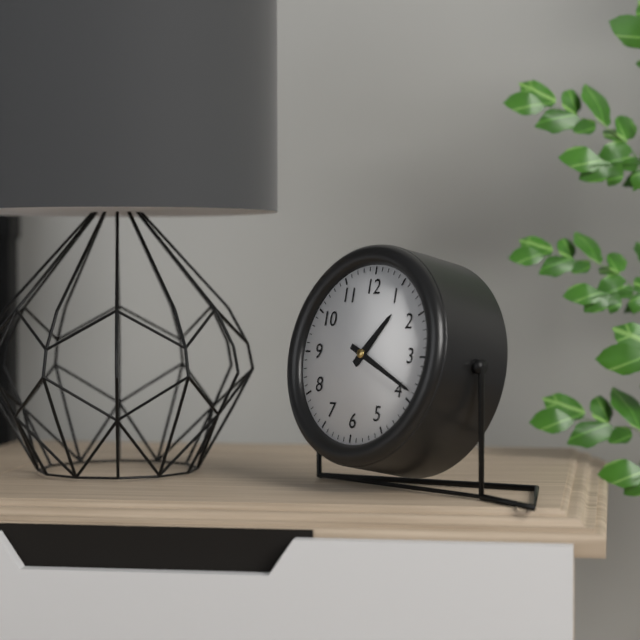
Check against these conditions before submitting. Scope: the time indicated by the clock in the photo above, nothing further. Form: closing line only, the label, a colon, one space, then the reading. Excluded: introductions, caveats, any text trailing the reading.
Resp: 1:19
